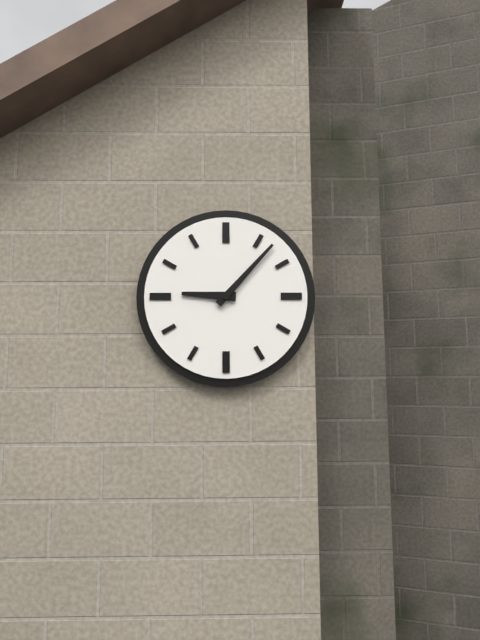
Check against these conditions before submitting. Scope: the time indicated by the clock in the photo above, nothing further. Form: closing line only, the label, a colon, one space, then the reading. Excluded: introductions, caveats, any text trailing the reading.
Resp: 9:07
